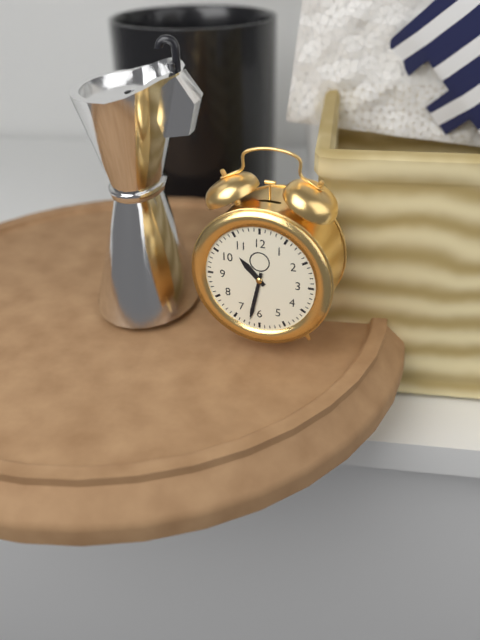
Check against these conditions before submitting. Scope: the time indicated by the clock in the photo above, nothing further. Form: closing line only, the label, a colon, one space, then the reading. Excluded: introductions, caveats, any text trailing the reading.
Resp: 10:32
